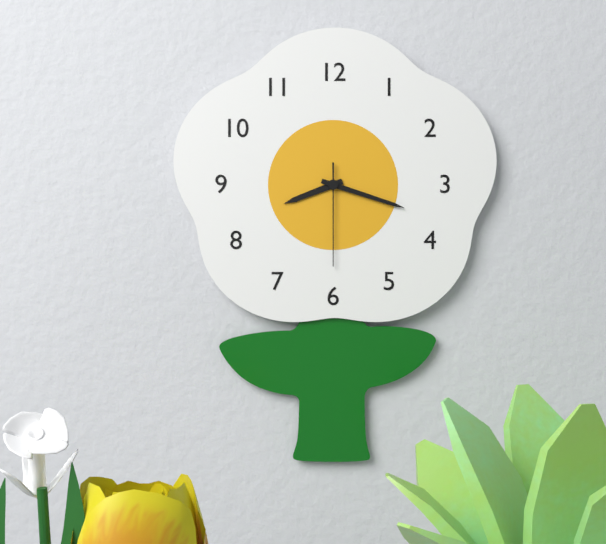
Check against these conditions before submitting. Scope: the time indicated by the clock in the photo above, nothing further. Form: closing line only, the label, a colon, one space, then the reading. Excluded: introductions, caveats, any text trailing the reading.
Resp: 8:18:30
